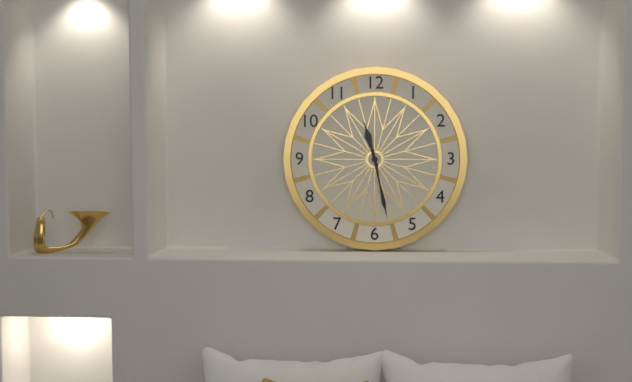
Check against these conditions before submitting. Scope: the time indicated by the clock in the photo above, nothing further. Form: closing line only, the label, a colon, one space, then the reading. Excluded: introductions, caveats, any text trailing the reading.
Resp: 11:28
